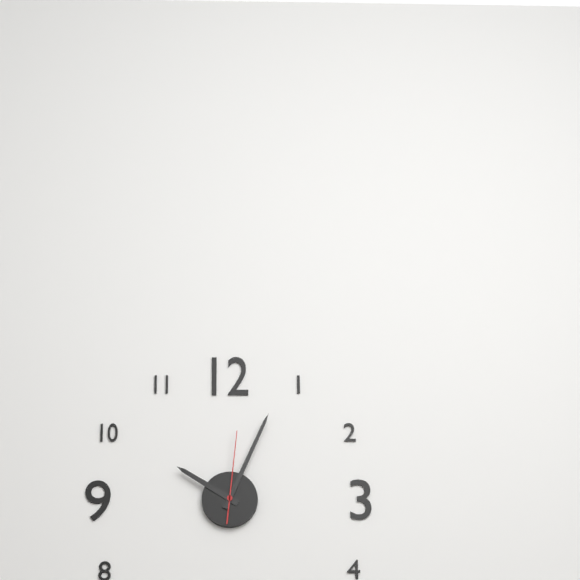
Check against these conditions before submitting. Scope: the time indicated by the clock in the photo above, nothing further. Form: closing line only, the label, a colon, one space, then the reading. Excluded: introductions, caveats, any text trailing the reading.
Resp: 10:04:01
